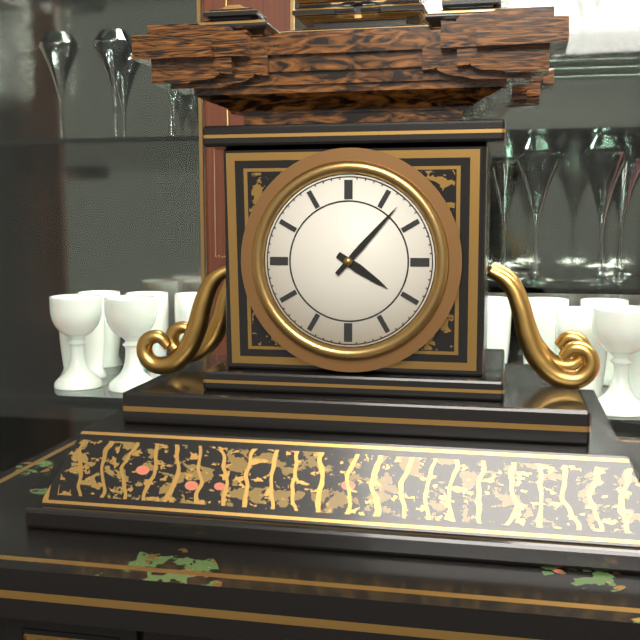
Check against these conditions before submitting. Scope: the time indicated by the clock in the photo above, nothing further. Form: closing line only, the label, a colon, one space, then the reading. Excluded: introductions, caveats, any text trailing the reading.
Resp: 4:07
